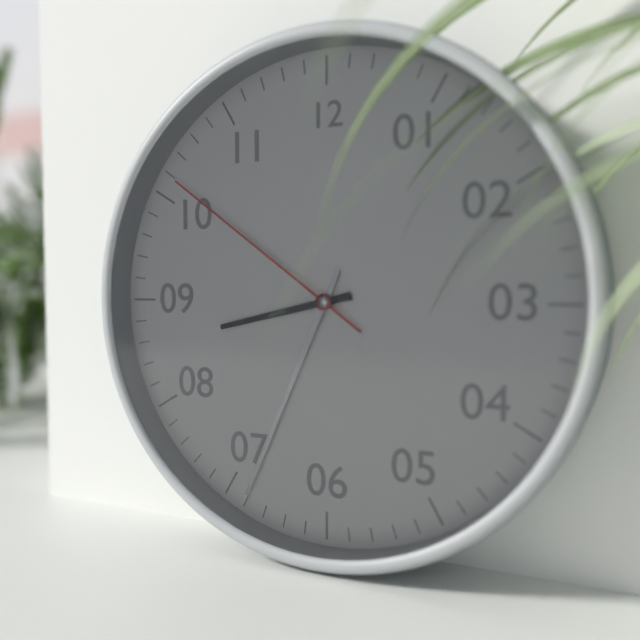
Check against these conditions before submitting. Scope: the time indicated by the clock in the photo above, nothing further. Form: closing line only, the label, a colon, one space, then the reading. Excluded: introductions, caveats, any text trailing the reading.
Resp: 8:34:51
